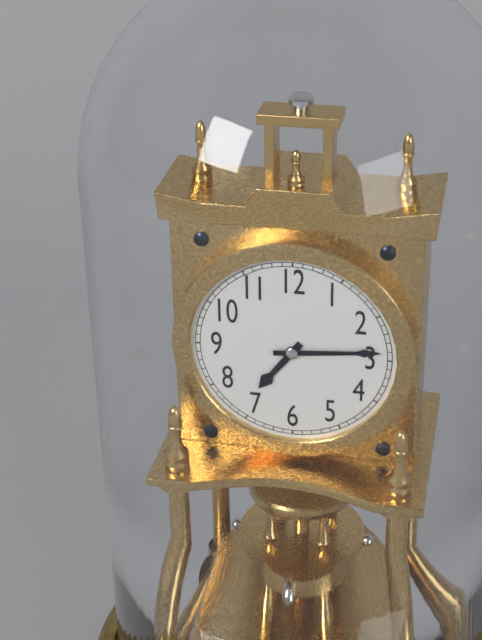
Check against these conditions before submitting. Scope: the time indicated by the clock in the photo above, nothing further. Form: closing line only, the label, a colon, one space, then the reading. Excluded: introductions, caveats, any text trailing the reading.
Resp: 7:14
